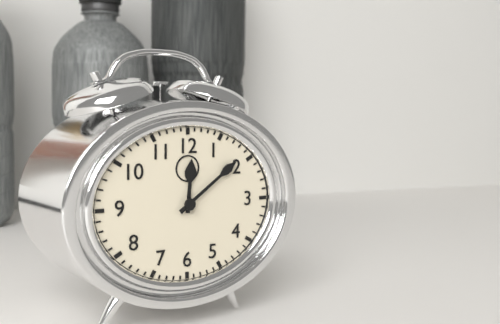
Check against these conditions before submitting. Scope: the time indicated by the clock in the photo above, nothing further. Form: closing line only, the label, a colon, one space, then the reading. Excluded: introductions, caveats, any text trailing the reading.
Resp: 12:09
